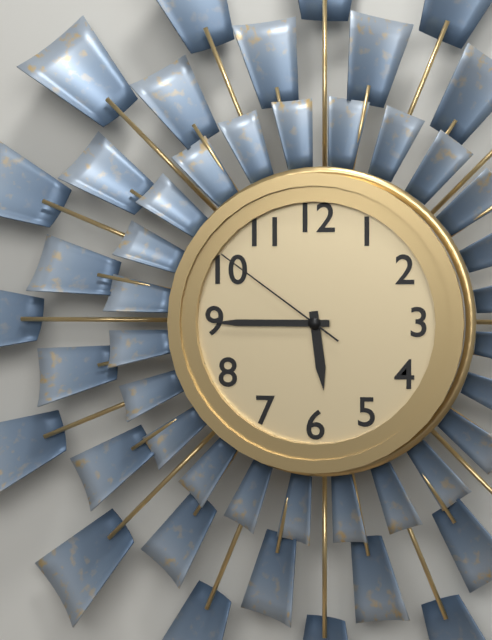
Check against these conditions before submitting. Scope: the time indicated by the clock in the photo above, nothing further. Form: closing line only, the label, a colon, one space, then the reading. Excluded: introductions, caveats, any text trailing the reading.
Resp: 5:45:51
